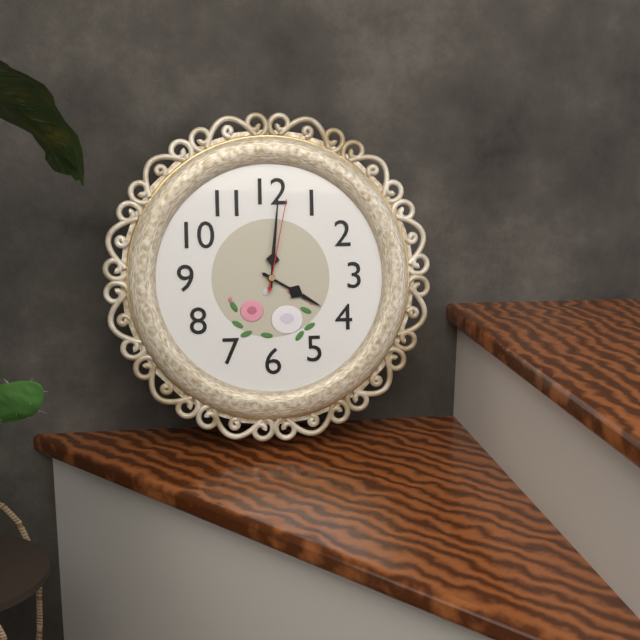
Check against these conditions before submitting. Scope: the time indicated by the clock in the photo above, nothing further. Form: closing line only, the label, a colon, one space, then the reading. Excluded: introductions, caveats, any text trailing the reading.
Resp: 4:01:02
